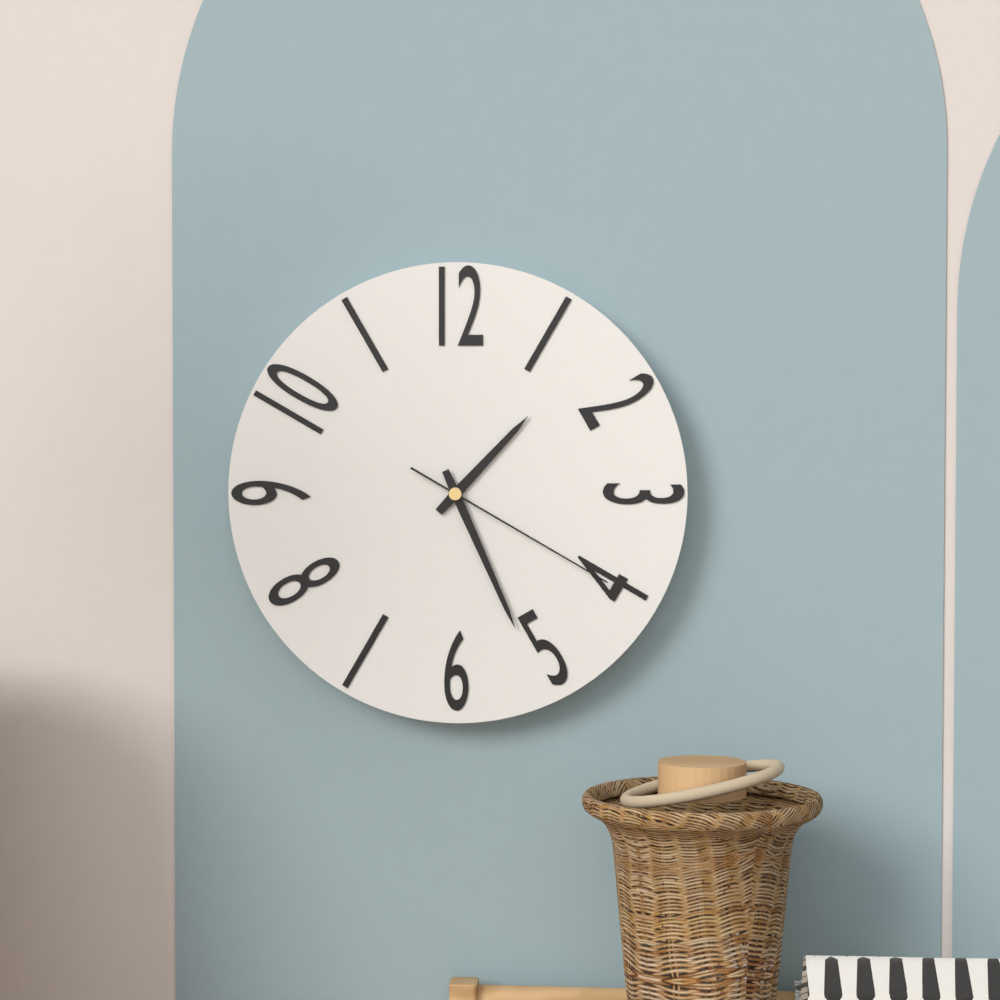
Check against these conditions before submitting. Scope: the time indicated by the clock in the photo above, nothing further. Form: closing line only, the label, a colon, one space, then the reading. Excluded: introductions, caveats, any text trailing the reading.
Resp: 1:26:20
